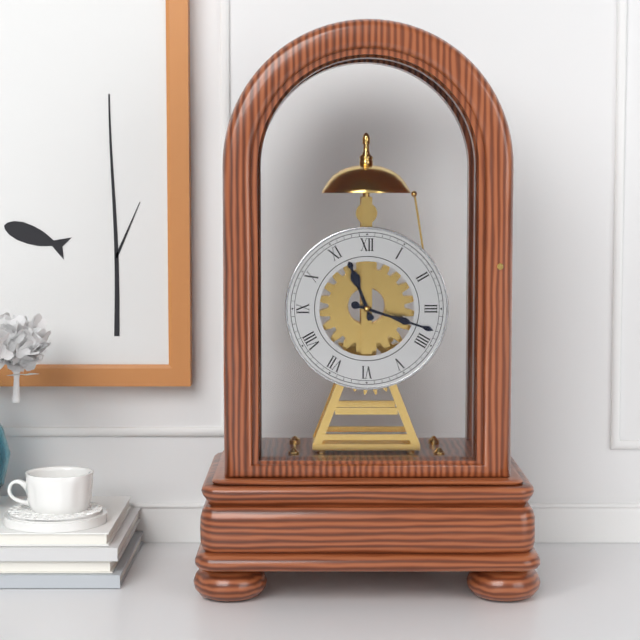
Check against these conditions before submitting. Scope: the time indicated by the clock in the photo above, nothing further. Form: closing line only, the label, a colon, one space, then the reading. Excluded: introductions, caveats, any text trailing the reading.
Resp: 11:18
